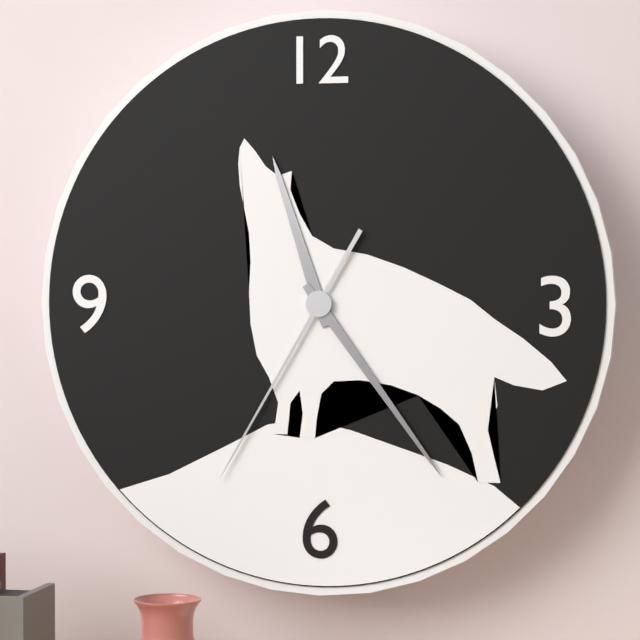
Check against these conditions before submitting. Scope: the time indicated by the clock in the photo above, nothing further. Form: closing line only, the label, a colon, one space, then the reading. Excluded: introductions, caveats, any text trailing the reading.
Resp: 11:24:35
